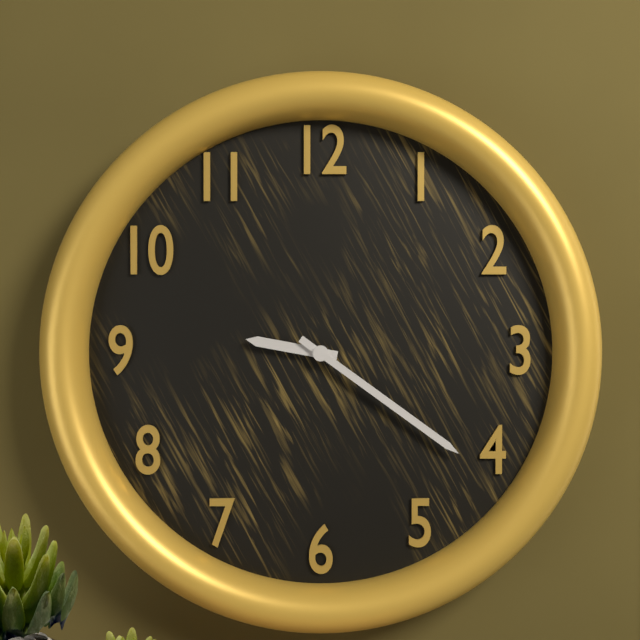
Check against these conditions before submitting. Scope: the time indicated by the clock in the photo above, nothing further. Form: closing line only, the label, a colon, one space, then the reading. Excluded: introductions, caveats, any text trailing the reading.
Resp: 9:21
